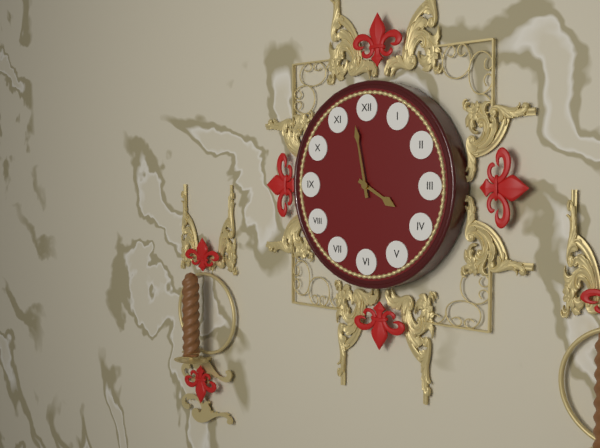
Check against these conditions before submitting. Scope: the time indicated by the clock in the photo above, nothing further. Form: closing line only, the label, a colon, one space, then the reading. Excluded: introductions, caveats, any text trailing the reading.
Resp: 3:58
